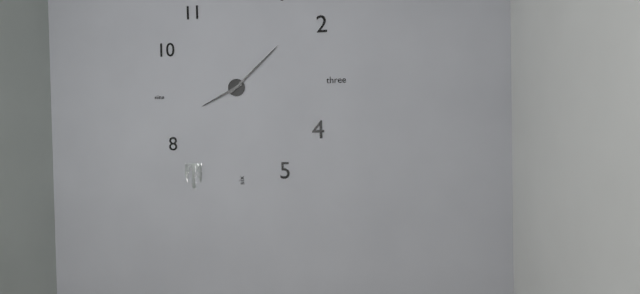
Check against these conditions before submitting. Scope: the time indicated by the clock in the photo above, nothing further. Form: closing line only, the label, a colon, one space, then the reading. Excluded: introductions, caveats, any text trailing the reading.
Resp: 8:08
